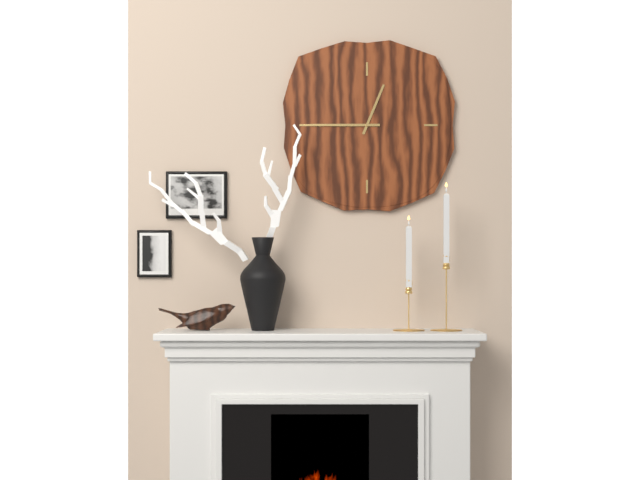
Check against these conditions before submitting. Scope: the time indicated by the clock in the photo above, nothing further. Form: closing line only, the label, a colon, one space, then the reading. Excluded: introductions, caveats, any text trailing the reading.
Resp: 12:45
